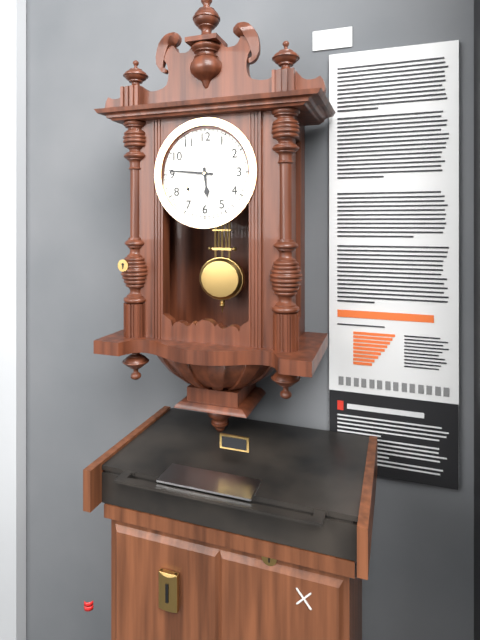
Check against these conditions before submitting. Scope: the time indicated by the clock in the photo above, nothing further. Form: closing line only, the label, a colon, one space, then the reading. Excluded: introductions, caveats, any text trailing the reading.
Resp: 5:46
